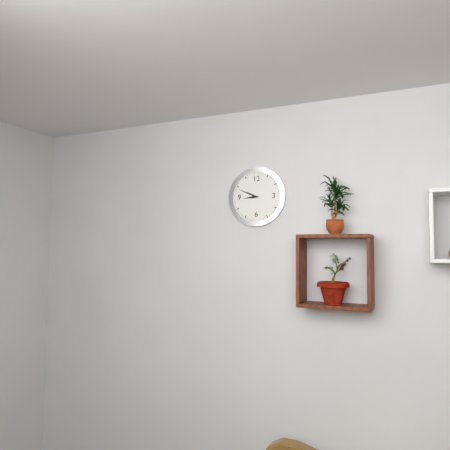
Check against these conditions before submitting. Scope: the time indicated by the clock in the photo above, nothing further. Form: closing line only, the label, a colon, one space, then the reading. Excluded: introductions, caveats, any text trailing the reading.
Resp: 8:49
